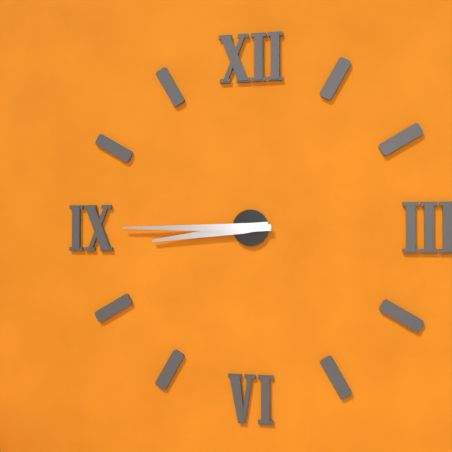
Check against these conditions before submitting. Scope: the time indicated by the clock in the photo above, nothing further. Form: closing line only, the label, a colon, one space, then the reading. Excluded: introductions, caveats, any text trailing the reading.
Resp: 8:45
